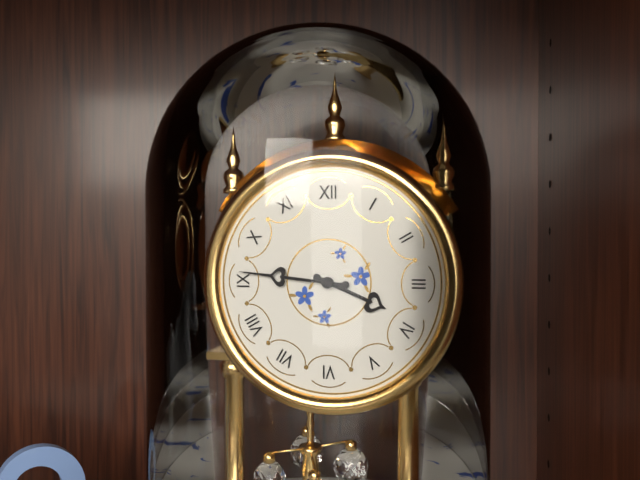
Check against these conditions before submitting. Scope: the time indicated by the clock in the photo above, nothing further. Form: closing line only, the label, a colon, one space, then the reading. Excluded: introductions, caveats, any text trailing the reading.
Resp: 3:46
